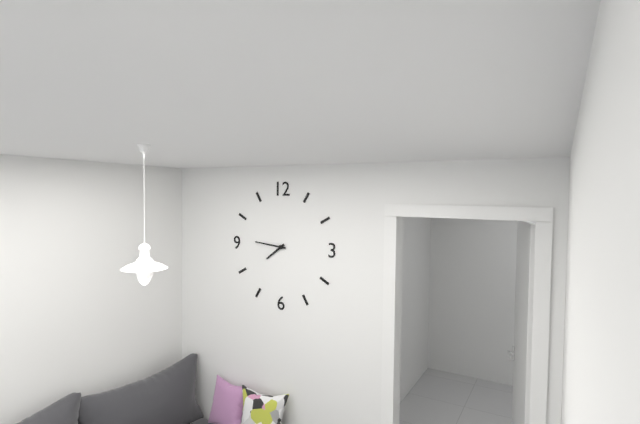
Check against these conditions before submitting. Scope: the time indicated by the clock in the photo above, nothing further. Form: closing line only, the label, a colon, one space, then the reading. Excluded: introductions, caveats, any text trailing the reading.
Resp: 7:46
